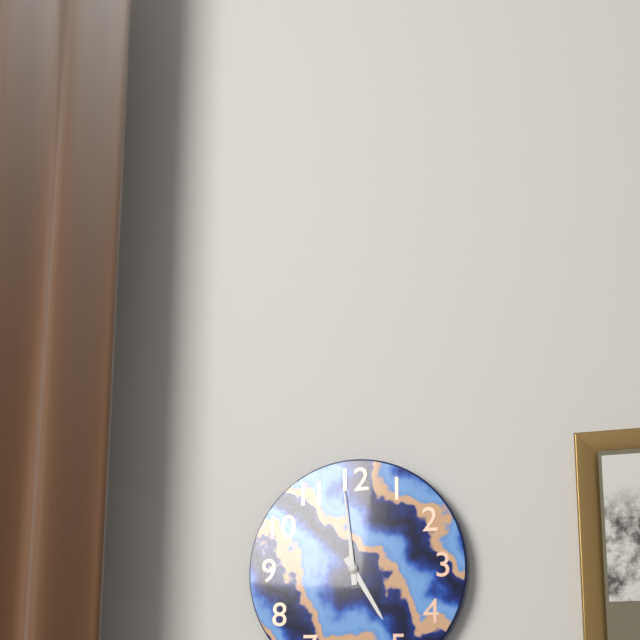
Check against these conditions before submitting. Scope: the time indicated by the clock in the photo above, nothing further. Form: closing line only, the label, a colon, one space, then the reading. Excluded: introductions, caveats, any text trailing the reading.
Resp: 4:59
